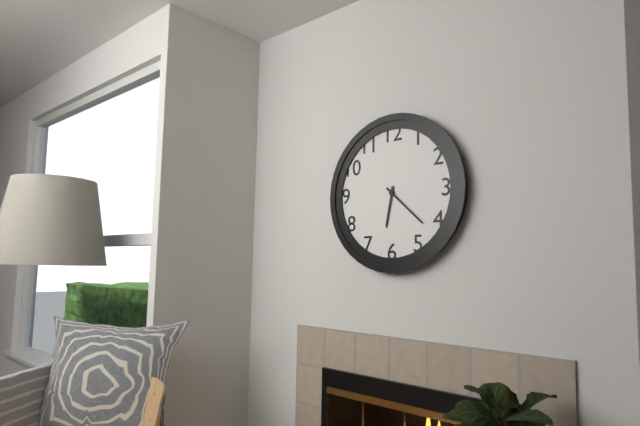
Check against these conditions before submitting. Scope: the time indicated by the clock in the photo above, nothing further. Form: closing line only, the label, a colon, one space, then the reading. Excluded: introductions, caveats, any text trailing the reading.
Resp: 6:22
